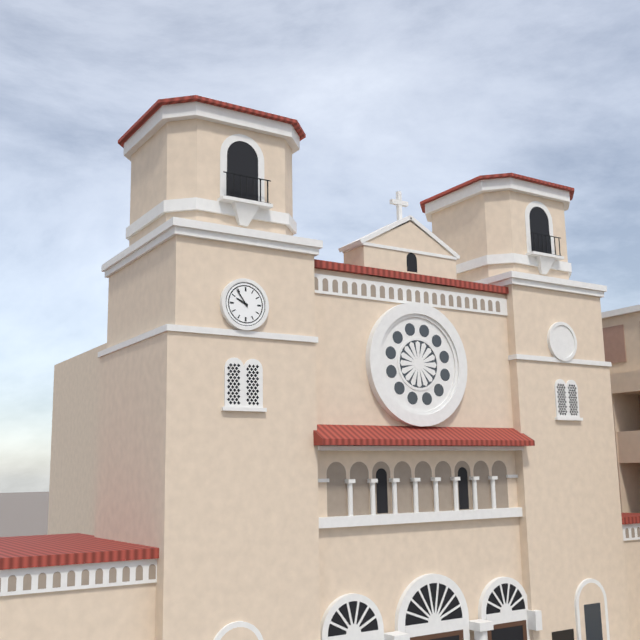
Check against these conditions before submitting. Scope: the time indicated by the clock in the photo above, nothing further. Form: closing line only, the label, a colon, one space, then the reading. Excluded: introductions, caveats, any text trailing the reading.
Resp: 9:54
